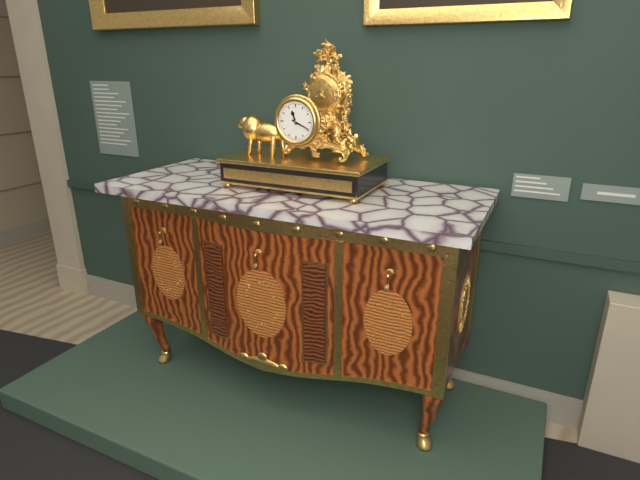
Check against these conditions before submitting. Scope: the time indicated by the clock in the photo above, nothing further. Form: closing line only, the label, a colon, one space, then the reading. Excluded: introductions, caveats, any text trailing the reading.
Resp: 11:19
